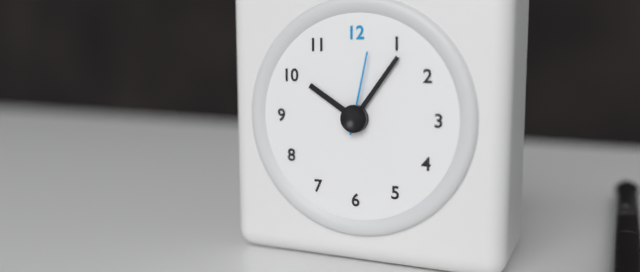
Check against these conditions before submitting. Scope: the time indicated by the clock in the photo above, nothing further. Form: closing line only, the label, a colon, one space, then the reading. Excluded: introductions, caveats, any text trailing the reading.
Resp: 10:06:02
